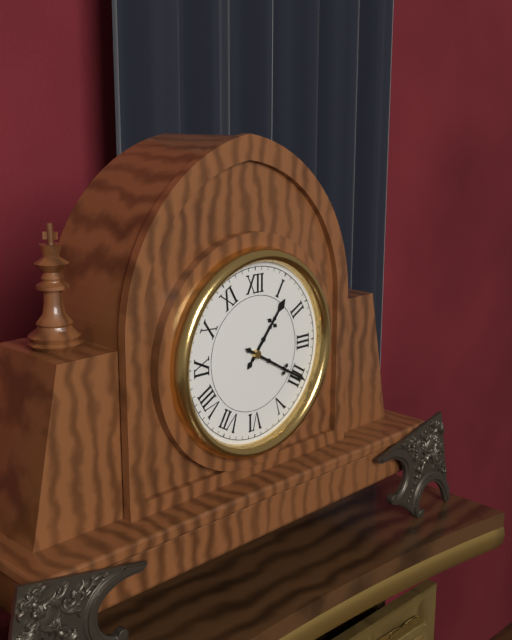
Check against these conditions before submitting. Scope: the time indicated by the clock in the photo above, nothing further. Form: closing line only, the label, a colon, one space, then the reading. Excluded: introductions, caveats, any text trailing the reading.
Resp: 1:20
